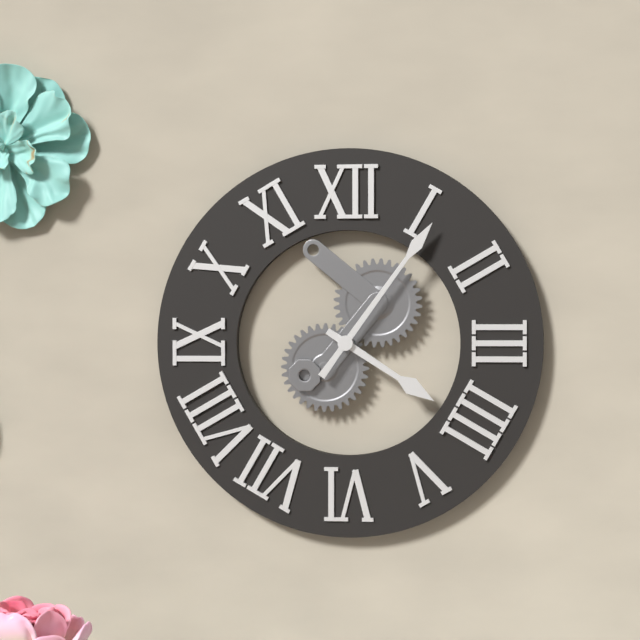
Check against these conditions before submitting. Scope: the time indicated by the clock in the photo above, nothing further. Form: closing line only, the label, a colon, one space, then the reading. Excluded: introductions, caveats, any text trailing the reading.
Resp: 4:06
